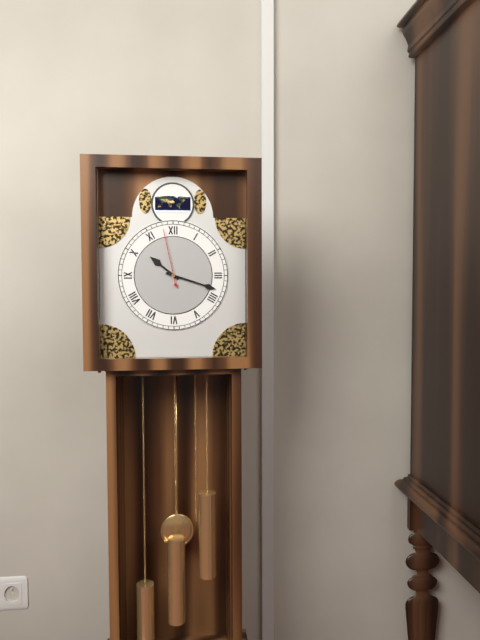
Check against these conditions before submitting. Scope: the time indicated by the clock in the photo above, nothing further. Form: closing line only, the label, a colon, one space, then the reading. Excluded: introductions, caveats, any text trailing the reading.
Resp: 10:18:58
